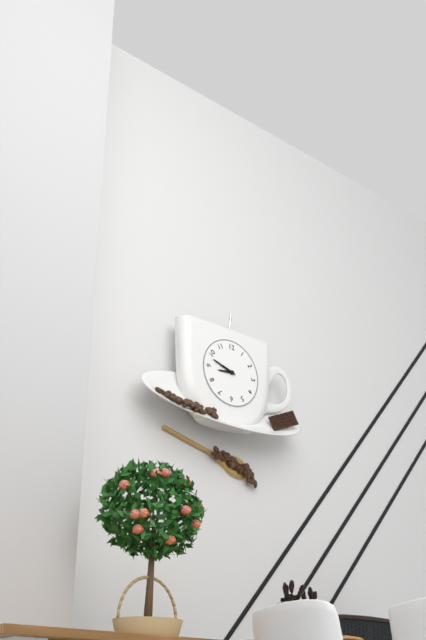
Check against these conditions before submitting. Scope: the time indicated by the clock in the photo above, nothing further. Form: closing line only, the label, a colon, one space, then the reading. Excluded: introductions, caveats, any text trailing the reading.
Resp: 8:48
